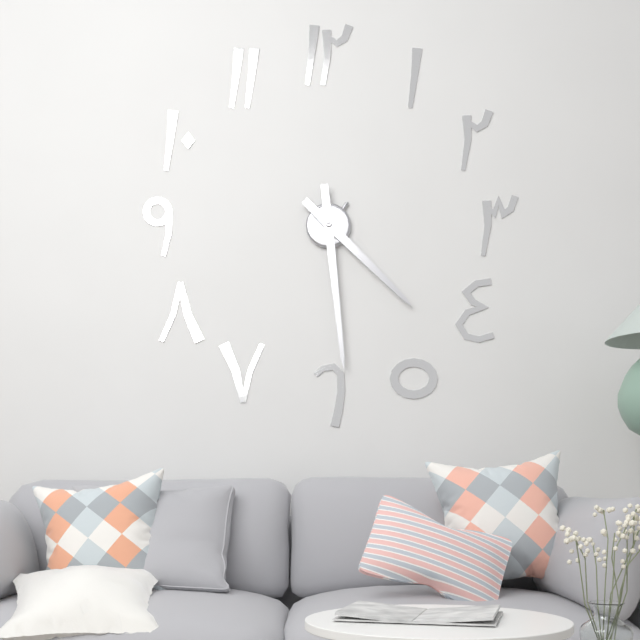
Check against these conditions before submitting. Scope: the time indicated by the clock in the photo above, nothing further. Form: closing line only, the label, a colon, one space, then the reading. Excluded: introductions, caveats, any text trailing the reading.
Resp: 4:29
